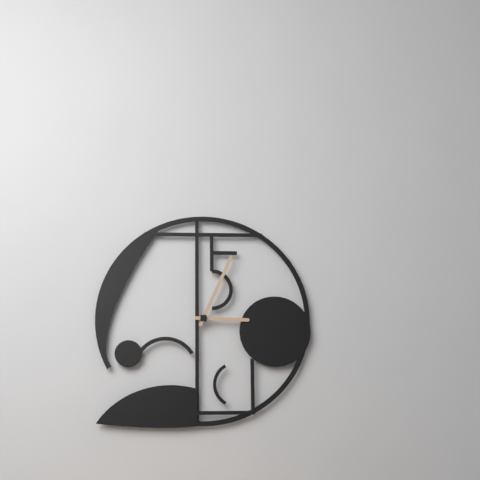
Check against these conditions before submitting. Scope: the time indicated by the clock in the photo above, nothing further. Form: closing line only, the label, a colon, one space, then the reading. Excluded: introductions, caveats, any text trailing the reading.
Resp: 3:04
